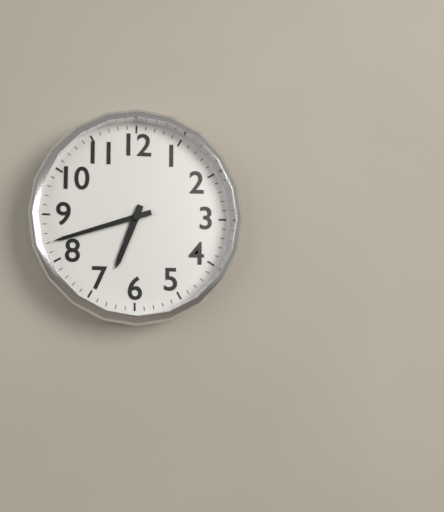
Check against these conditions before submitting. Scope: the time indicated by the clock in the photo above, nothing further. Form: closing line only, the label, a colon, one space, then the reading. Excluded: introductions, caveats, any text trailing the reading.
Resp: 6:42
